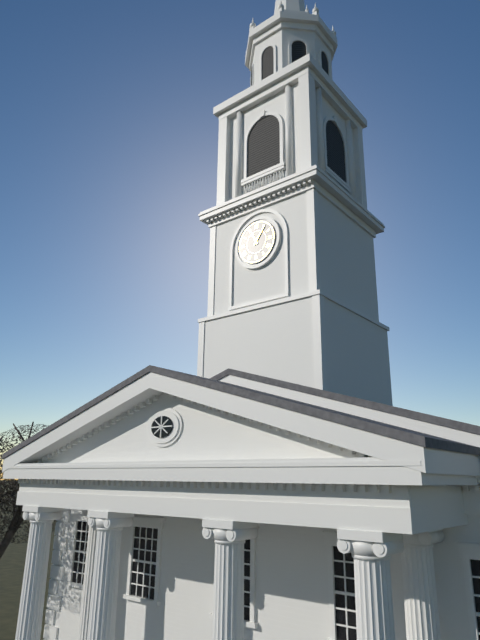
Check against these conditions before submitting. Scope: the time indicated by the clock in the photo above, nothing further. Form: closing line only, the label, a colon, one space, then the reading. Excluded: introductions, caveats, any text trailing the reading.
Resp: 11:06
